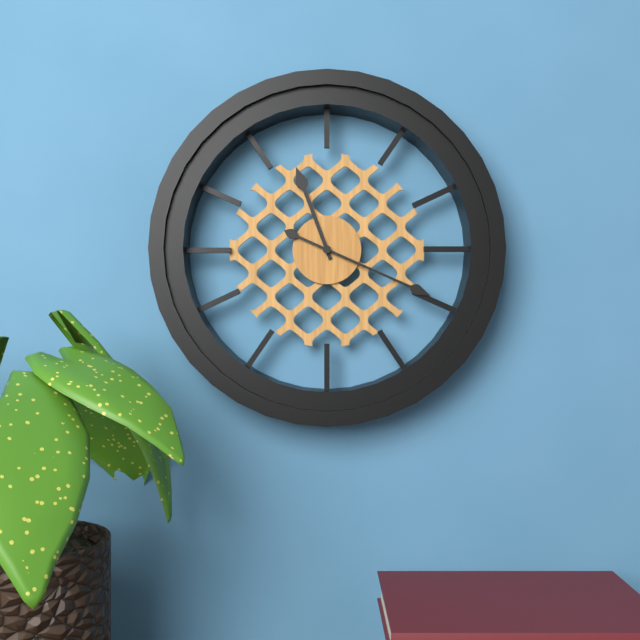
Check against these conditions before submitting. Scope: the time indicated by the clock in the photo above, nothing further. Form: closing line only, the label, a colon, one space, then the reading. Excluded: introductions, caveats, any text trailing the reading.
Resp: 11:19
